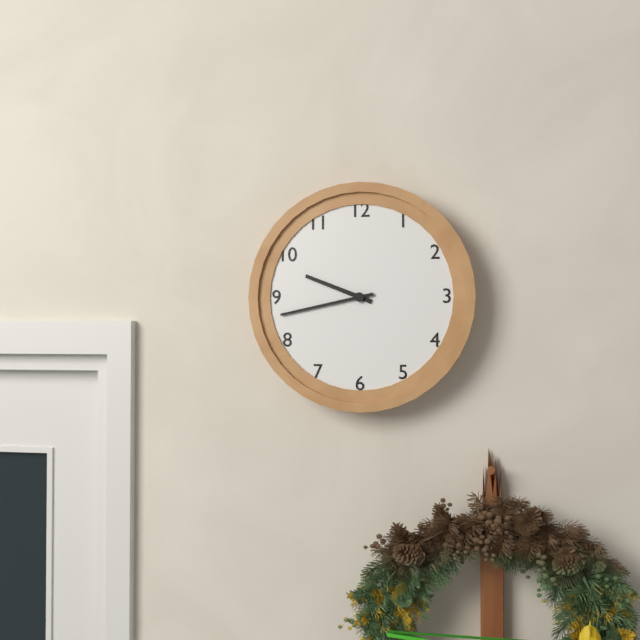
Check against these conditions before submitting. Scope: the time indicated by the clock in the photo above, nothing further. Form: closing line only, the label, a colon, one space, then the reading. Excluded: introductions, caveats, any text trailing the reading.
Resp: 9:43
